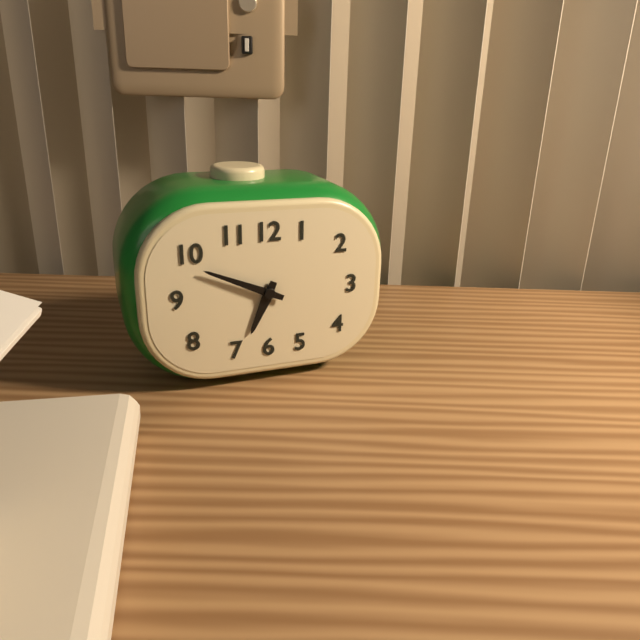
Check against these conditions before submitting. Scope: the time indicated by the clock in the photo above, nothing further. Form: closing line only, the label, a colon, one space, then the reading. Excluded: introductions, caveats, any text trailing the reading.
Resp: 6:49
